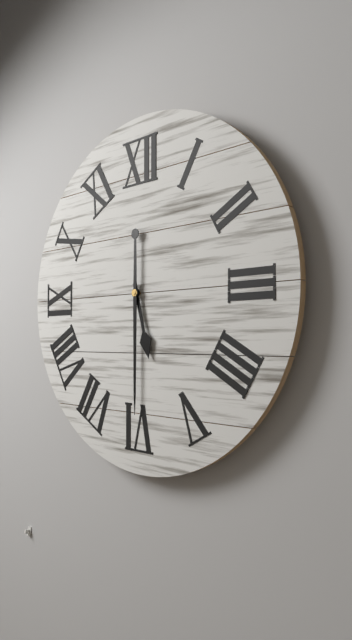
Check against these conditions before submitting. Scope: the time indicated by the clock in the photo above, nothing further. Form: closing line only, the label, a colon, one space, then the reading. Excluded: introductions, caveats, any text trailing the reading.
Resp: 5:30
